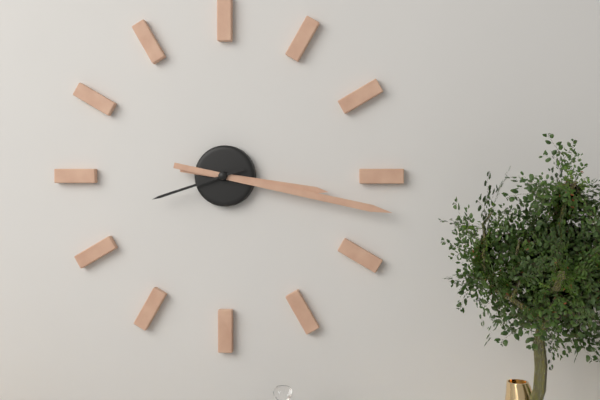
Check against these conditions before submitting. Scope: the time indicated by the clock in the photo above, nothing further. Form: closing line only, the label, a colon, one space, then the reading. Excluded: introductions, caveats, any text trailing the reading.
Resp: 3:17:42
